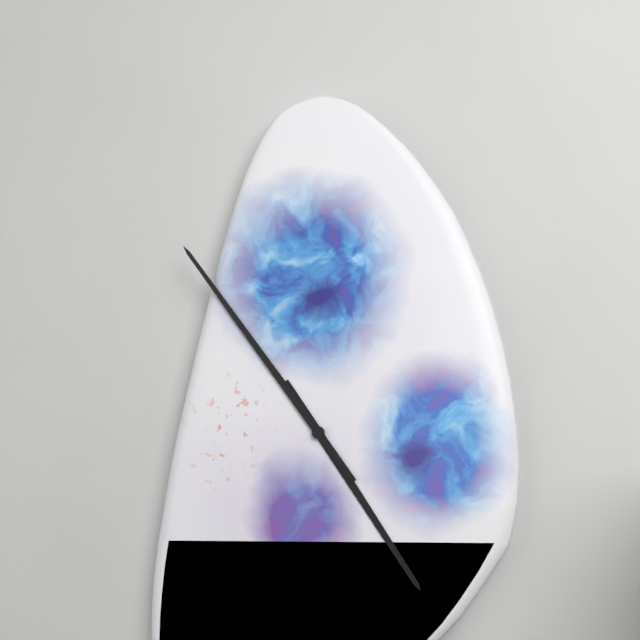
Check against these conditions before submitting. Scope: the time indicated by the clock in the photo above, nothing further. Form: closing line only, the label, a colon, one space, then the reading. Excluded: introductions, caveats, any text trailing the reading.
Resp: 4:54
